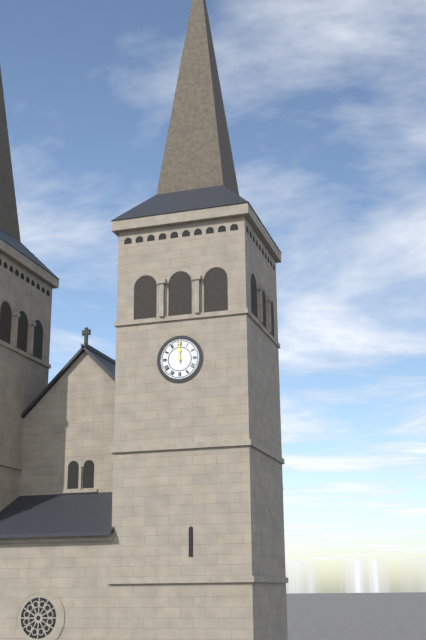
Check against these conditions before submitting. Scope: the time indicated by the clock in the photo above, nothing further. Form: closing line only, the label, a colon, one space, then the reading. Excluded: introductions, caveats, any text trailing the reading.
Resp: 12:00
